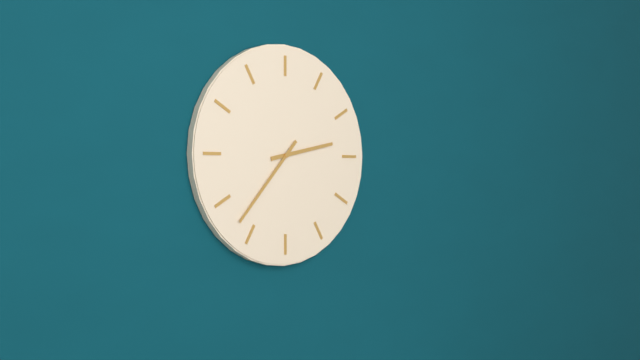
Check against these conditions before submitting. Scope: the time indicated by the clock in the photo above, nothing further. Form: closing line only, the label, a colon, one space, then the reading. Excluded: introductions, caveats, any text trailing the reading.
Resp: 2:37
